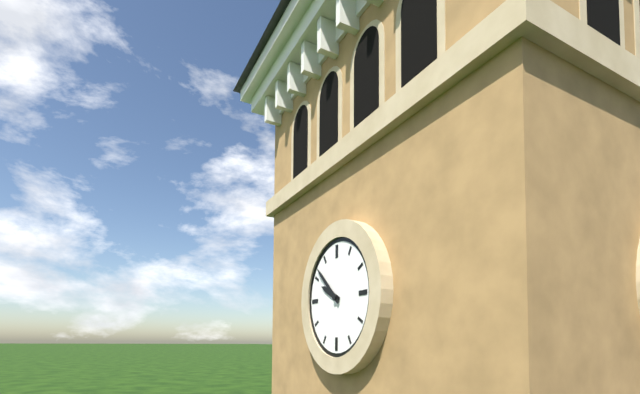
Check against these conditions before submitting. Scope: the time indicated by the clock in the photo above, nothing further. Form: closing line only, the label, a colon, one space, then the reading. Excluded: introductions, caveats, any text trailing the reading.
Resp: 9:52
